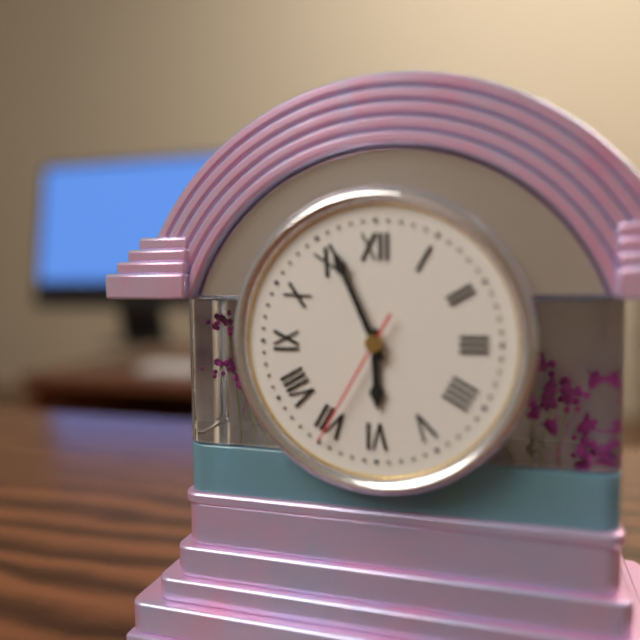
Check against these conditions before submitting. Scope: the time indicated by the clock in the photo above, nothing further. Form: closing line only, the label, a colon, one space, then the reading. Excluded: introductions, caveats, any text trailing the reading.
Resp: 5:56:35
